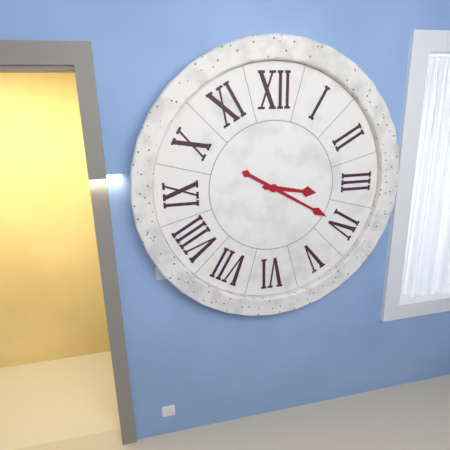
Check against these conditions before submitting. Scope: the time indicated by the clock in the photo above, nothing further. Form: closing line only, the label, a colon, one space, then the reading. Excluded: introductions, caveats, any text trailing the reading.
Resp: 3:20
